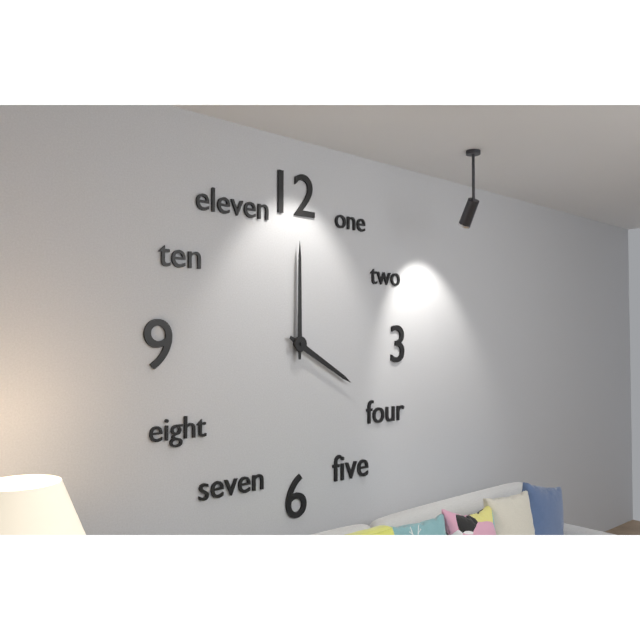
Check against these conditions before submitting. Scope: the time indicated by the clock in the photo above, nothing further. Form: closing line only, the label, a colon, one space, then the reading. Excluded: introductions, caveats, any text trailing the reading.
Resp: 4:00
